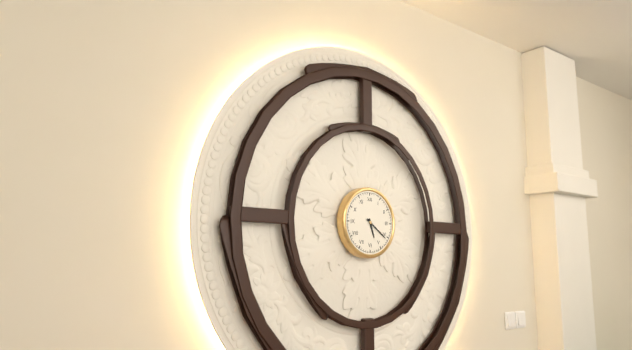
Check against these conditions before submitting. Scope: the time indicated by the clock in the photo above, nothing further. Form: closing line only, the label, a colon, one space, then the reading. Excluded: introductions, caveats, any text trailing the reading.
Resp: 5:21
